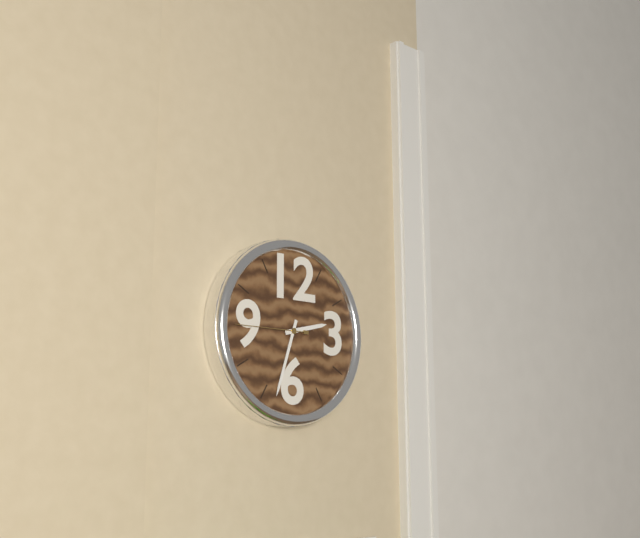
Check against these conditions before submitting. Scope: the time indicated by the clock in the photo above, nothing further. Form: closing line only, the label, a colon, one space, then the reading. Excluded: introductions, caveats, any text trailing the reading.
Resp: 2:33:45
